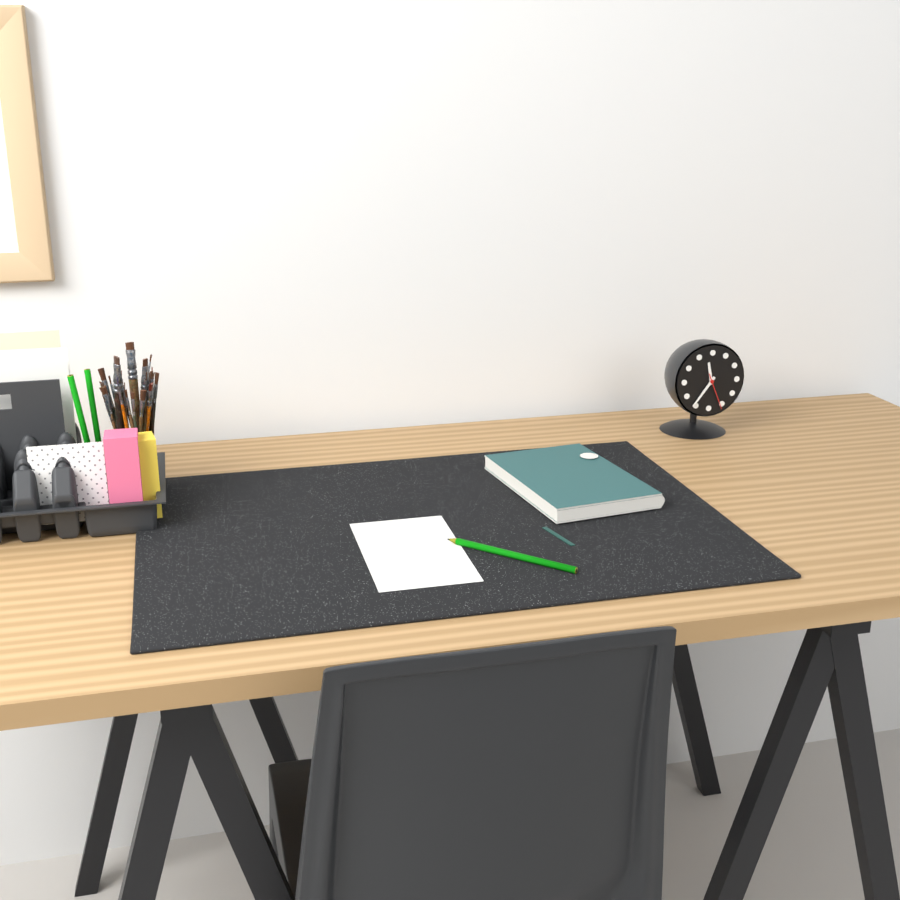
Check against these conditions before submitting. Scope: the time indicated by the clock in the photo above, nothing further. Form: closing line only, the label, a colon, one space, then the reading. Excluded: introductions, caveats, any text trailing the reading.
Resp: 11:36
